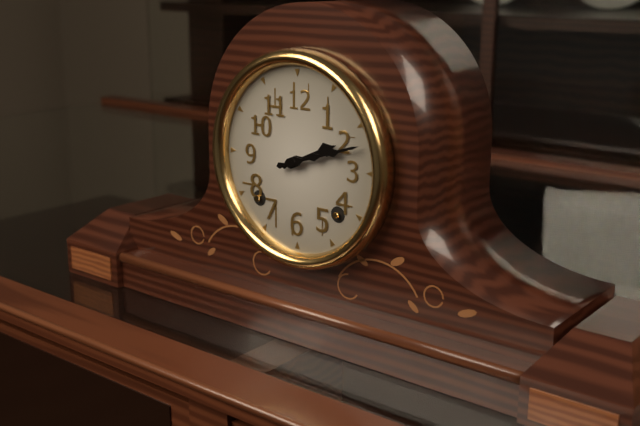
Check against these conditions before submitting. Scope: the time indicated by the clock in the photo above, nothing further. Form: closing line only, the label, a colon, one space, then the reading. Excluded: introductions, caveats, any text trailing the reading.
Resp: 2:12
